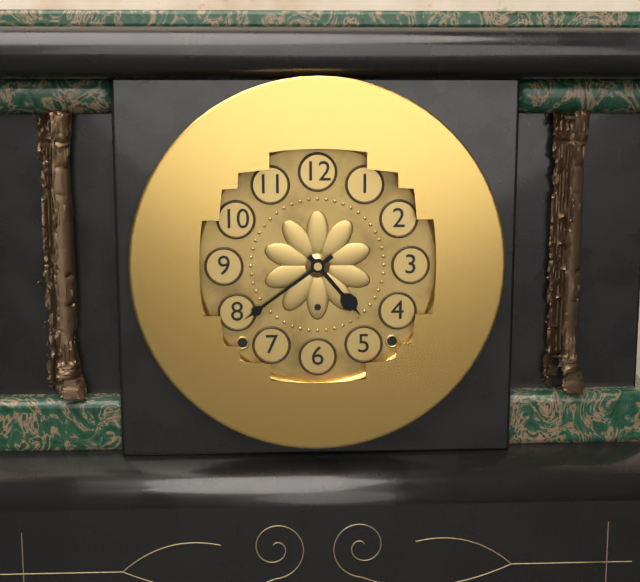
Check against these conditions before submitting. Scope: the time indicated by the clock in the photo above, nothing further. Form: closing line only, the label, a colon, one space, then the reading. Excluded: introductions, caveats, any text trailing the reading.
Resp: 4:39
